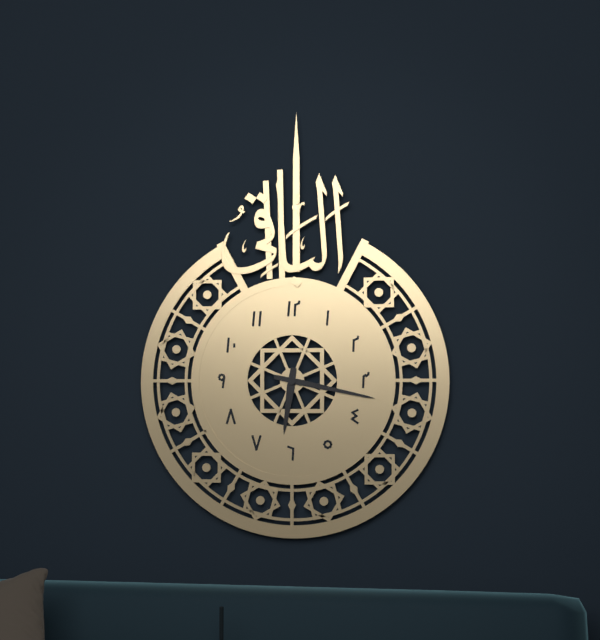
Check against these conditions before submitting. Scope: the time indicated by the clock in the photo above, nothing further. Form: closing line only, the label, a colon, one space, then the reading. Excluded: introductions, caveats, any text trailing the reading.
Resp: 6:17
